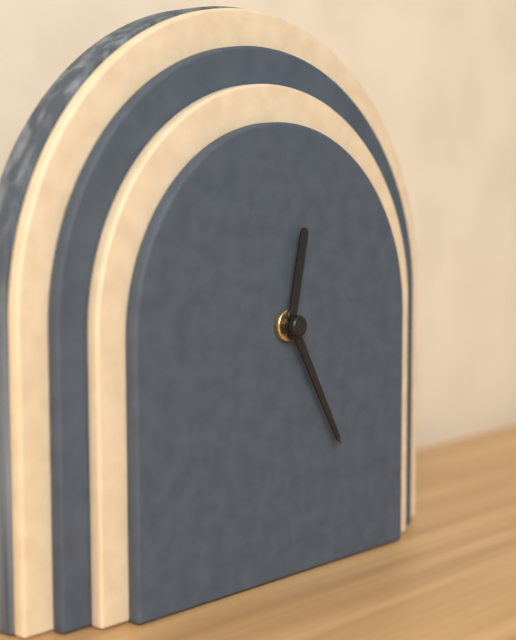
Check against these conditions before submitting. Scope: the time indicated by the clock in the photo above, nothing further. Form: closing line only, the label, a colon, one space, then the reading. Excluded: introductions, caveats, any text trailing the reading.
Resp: 12:25
